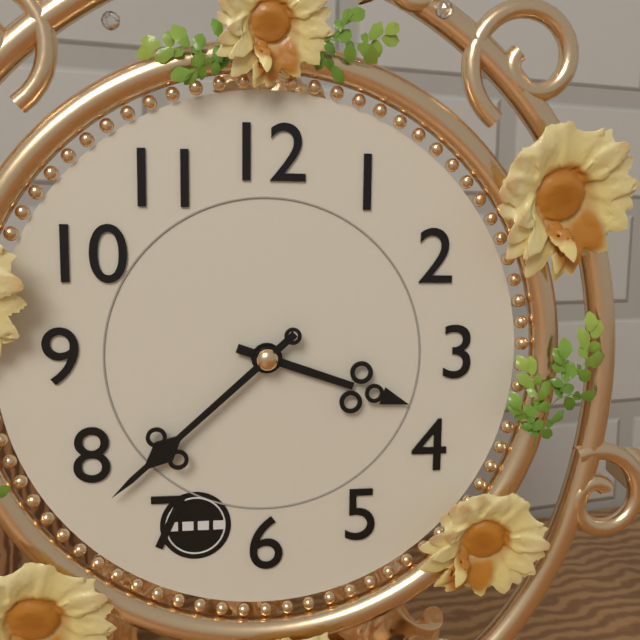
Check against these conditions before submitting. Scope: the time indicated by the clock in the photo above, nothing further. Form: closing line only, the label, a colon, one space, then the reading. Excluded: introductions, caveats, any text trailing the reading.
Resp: 3:38
